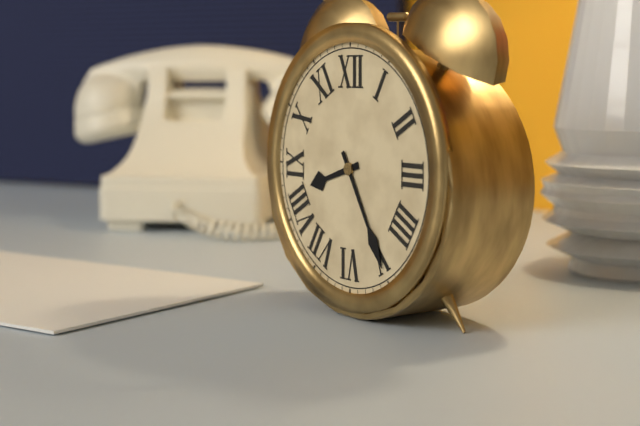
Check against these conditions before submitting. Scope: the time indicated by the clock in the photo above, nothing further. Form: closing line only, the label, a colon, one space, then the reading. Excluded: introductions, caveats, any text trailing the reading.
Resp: 8:25
